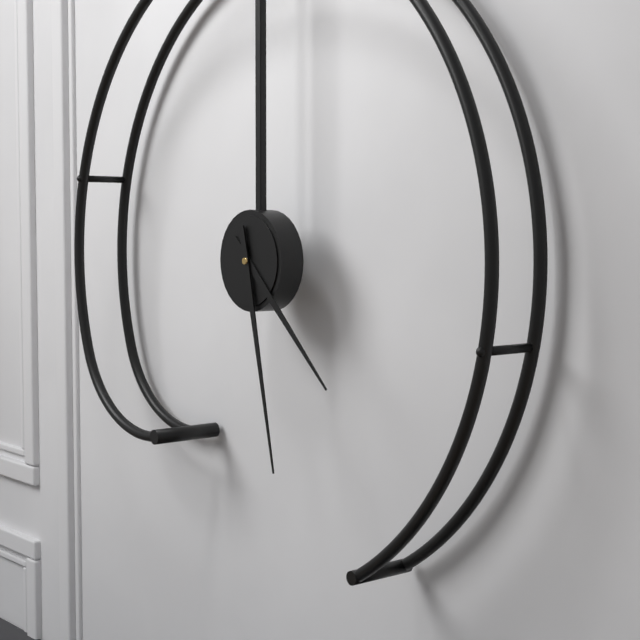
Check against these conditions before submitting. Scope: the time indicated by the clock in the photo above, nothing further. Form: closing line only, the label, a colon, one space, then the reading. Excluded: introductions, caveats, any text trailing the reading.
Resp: 4:28
